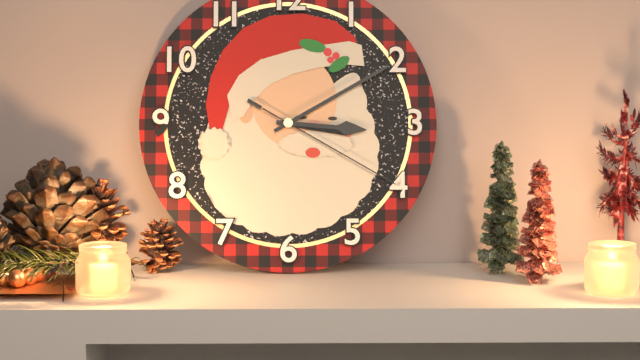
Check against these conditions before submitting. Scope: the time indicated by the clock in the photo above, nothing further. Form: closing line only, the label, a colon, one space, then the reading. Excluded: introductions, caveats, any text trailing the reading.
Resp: 3:10:20
